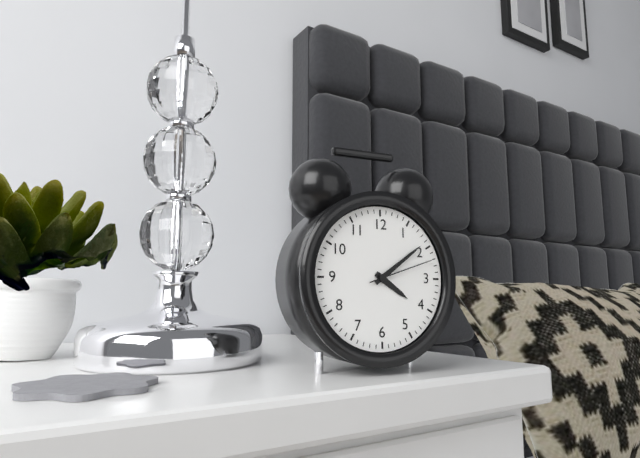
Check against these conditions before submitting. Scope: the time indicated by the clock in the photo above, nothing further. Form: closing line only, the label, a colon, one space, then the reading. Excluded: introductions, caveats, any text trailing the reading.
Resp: 4:09:12
